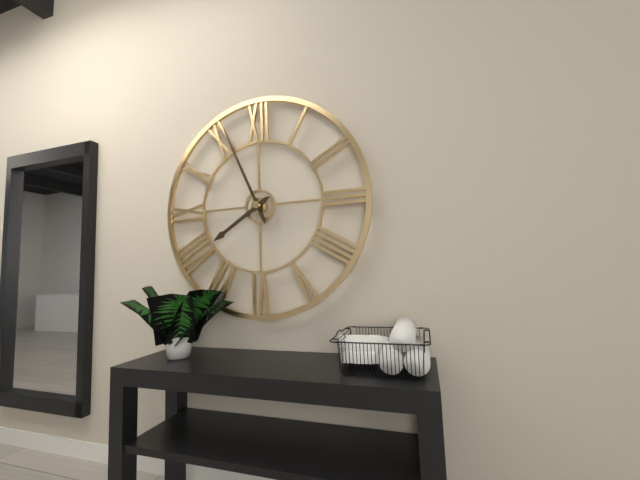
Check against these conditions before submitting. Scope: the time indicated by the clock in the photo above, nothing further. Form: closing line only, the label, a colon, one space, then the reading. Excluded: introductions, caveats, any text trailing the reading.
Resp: 7:56
